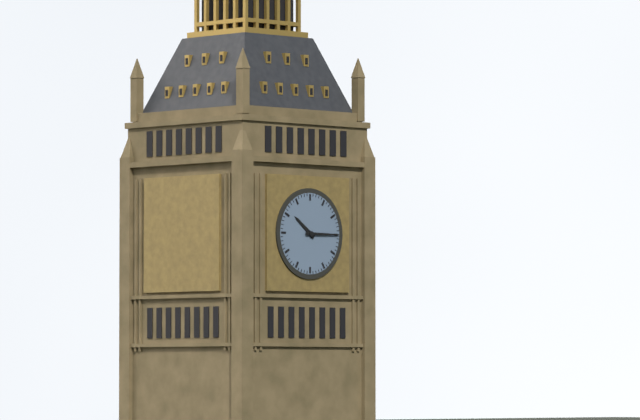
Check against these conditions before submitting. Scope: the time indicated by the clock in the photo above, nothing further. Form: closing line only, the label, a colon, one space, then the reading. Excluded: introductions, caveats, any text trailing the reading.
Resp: 10:15
